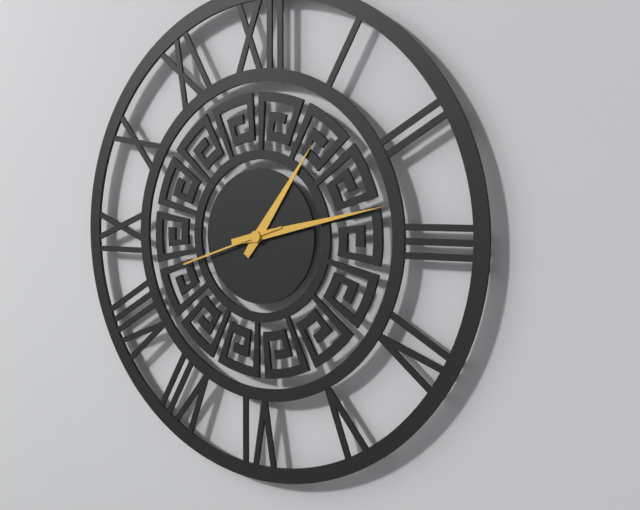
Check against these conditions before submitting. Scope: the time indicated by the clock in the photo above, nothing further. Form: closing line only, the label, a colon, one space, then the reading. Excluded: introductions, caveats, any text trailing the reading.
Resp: 1:13:42
